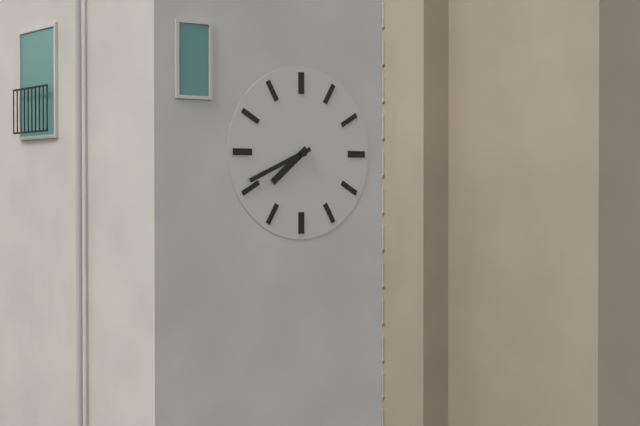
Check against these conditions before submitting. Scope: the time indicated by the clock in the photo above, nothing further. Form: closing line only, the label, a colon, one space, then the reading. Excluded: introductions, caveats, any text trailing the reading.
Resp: 7:41
